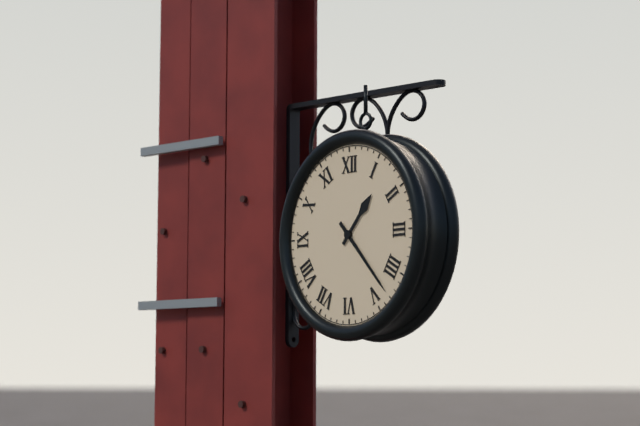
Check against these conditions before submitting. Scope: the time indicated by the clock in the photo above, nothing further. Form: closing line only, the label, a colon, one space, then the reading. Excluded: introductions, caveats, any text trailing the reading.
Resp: 1:23
